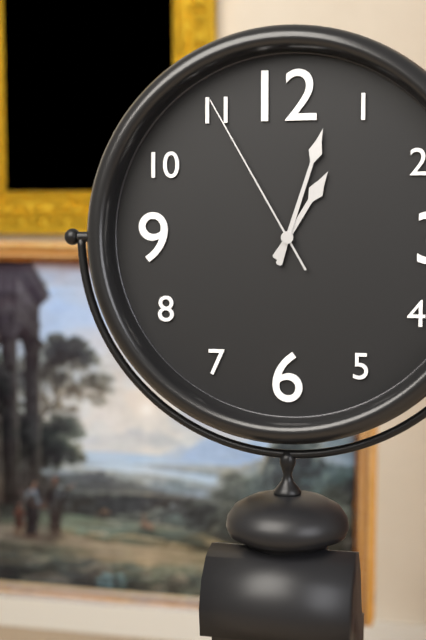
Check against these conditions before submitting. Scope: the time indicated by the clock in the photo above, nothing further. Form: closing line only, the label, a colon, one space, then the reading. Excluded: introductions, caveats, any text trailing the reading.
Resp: 1:03:55
